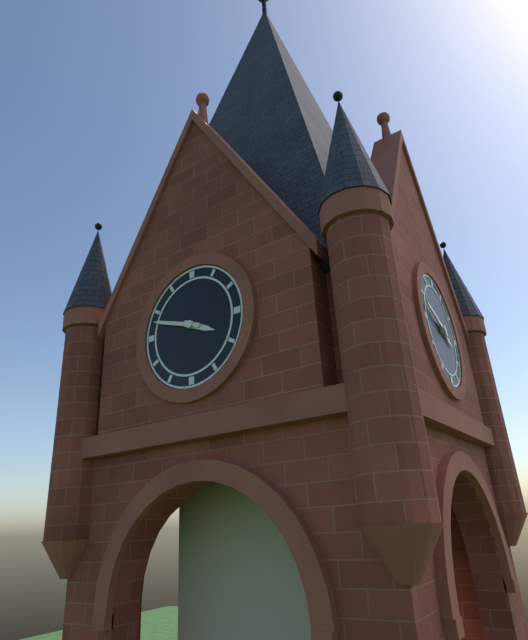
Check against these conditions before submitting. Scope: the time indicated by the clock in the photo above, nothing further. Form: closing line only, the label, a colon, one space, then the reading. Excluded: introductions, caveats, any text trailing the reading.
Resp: 3:48
